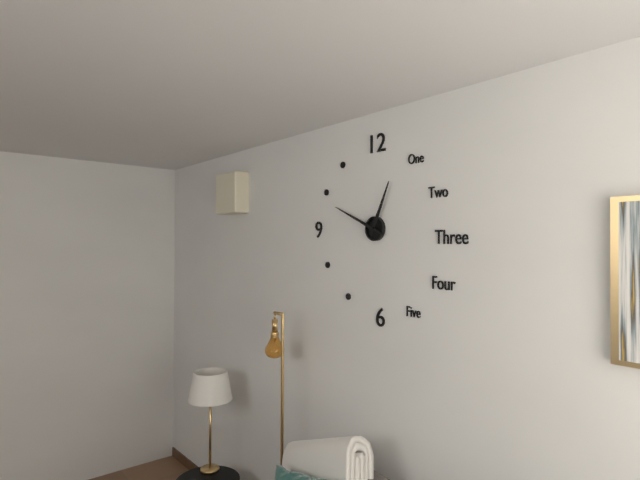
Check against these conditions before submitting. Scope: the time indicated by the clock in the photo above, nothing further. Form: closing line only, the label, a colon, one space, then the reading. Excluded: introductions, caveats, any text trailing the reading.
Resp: 12:49
